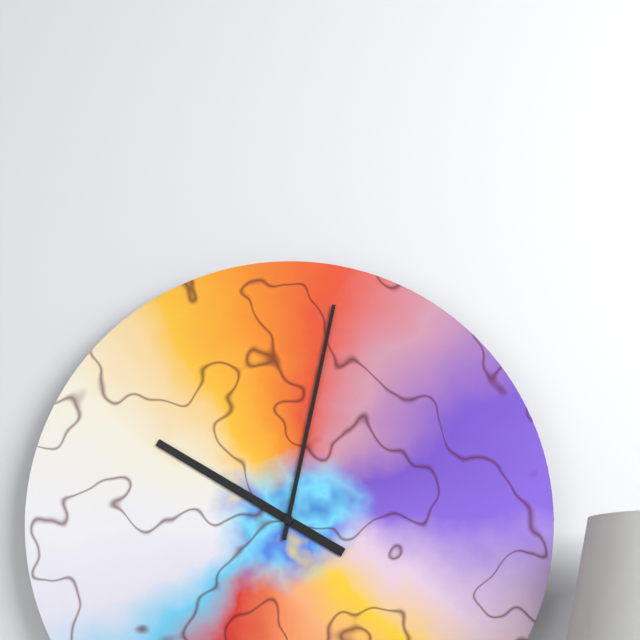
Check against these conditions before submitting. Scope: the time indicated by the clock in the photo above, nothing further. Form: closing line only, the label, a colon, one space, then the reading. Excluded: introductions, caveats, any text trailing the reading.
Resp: 10:02
